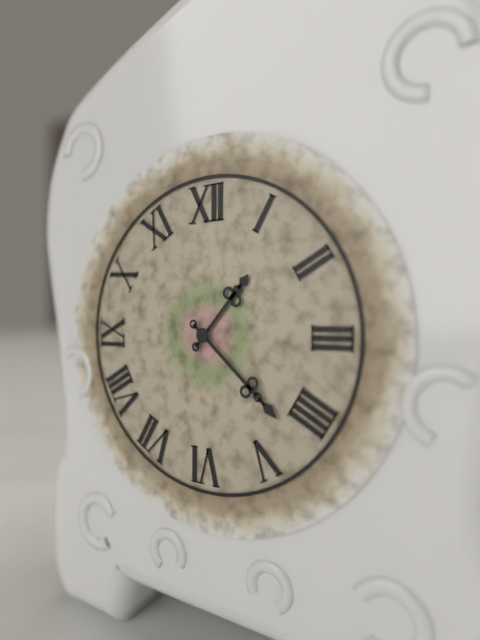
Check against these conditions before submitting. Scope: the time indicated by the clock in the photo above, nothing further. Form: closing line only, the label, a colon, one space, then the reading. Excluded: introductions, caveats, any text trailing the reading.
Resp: 1:22
